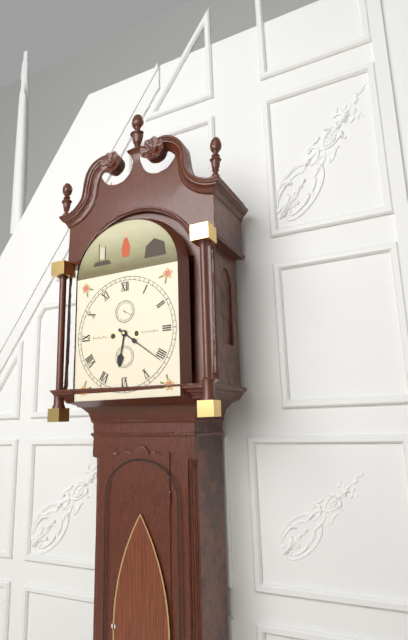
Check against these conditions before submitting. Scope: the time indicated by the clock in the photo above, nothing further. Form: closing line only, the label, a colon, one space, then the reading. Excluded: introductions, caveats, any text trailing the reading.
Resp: 6:21
